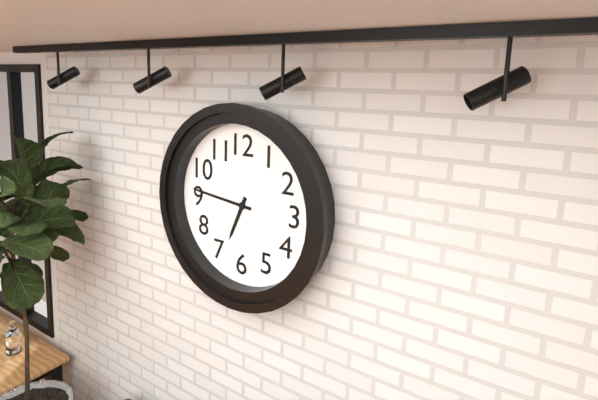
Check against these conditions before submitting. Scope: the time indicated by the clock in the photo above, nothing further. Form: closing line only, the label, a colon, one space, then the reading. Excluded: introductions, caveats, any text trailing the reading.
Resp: 6:46
